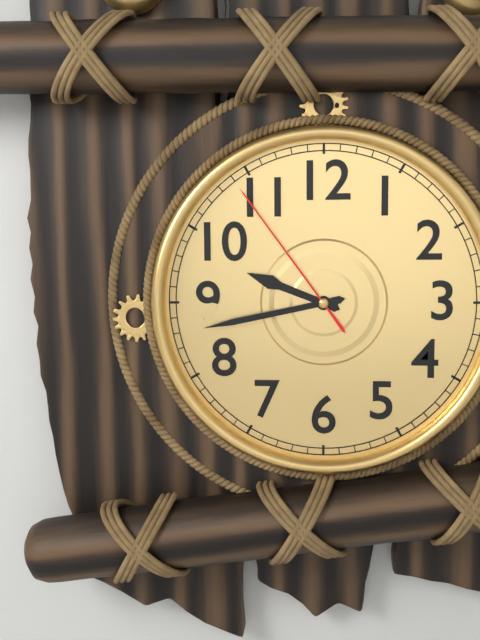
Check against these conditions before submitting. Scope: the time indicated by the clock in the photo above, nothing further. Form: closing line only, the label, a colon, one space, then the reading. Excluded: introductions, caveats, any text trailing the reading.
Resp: 9:43:54
